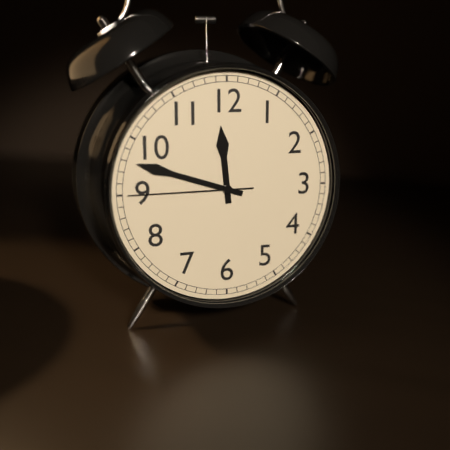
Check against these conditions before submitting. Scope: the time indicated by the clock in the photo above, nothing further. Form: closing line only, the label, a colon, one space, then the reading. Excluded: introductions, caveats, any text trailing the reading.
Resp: 11:48:45
